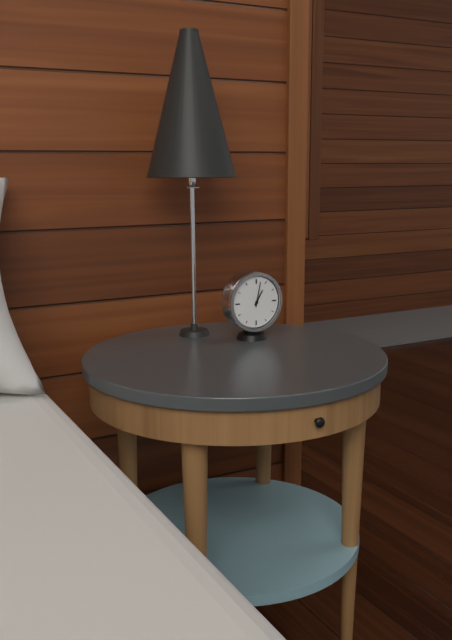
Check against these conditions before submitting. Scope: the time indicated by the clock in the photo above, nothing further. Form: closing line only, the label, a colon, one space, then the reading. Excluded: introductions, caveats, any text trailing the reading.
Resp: 1:02
